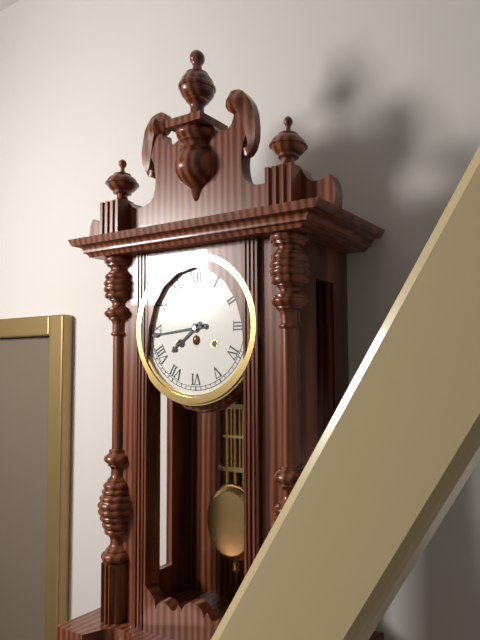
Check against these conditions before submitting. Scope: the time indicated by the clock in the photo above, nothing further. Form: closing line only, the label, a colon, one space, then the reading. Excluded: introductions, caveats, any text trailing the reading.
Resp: 7:44
